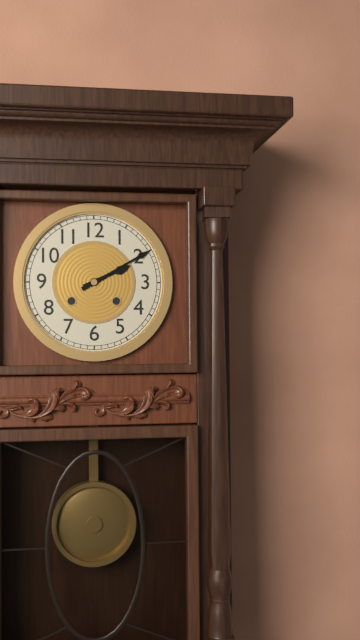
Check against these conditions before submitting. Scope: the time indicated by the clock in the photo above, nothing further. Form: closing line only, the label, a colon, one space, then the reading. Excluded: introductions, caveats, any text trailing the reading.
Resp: 2:10
